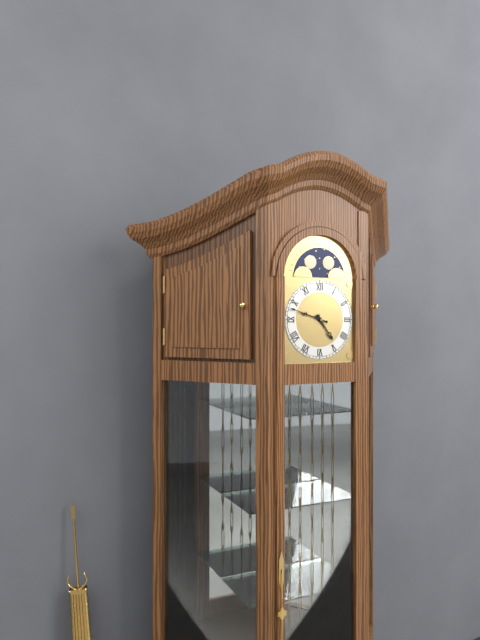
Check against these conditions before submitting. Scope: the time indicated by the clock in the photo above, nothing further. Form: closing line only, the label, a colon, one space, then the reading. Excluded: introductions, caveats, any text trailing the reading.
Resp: 4:48
